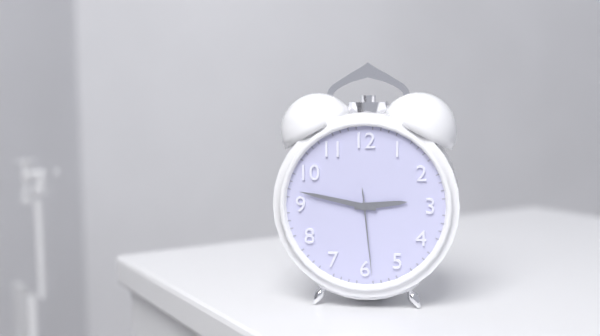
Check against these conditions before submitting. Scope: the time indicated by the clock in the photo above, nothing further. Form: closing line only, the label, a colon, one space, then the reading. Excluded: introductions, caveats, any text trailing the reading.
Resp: 2:47:29
